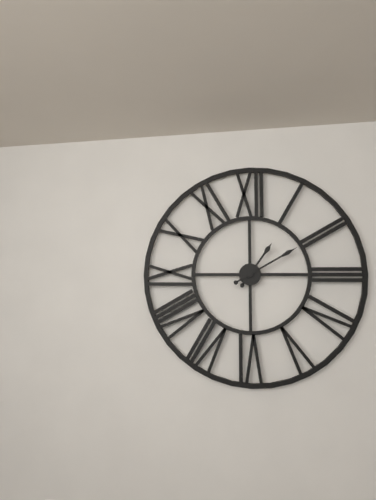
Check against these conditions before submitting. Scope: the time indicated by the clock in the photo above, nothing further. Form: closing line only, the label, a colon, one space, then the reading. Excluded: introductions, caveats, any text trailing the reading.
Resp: 1:10
